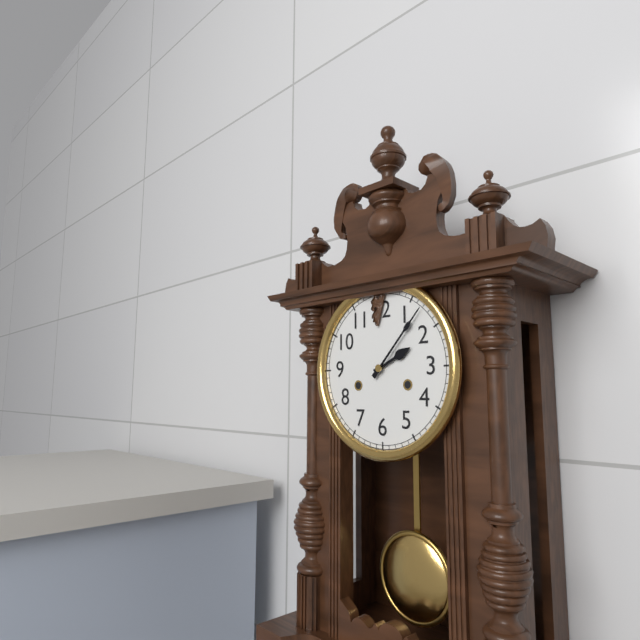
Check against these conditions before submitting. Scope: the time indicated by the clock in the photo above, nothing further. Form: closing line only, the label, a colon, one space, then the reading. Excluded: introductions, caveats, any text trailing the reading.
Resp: 2:07
